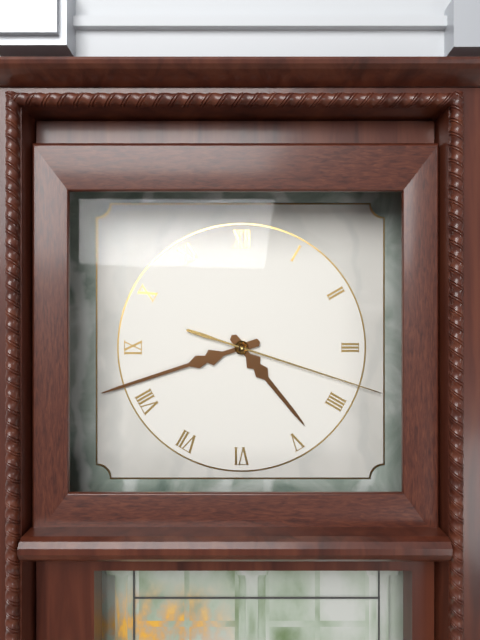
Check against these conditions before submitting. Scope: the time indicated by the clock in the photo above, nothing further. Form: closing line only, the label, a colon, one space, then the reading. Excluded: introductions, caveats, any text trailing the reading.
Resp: 4:42:18
